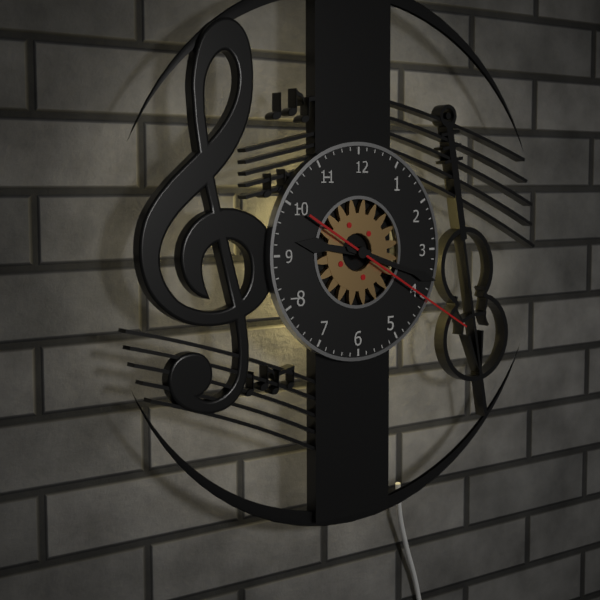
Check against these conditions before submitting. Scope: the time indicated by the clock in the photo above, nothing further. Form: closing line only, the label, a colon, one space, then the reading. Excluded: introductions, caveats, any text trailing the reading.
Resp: 9:18:20
